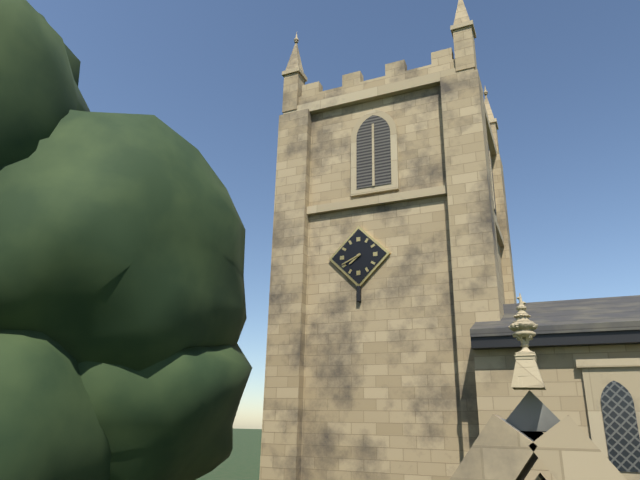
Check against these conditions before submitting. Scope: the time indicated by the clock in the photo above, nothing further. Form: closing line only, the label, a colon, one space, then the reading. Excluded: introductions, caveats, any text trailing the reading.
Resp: 7:41
